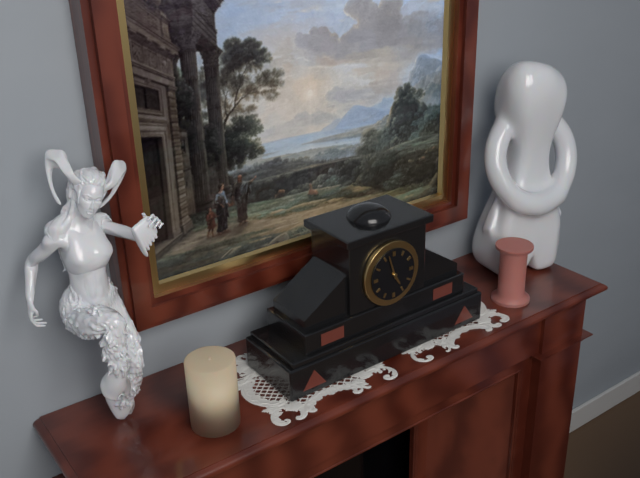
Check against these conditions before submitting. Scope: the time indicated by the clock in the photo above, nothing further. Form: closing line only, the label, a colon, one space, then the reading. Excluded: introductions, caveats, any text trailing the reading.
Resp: 4:57
